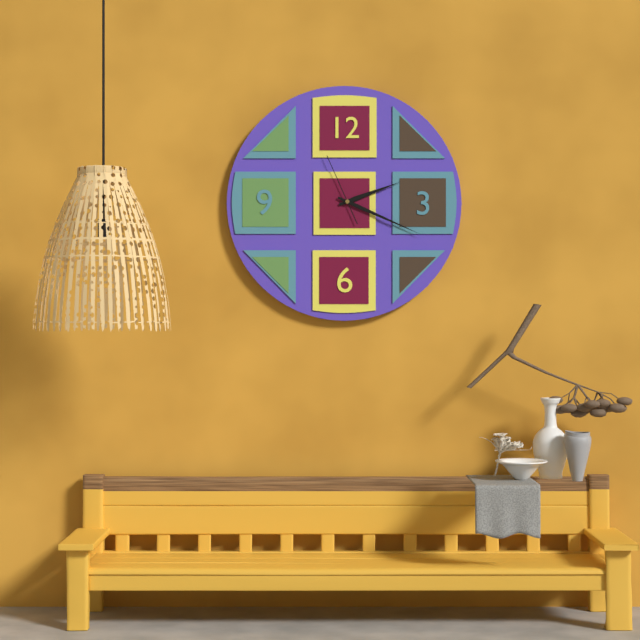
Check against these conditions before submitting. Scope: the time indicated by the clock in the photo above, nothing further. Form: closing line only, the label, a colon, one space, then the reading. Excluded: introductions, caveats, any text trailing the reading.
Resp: 2:19:56
